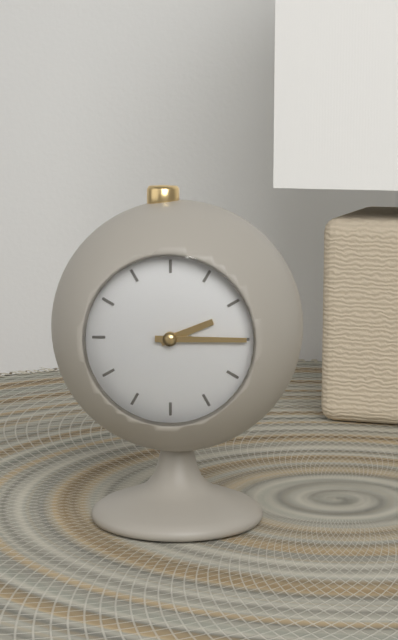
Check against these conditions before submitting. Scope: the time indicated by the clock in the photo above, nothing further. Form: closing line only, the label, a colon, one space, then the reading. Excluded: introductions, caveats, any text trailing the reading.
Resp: 2:15
